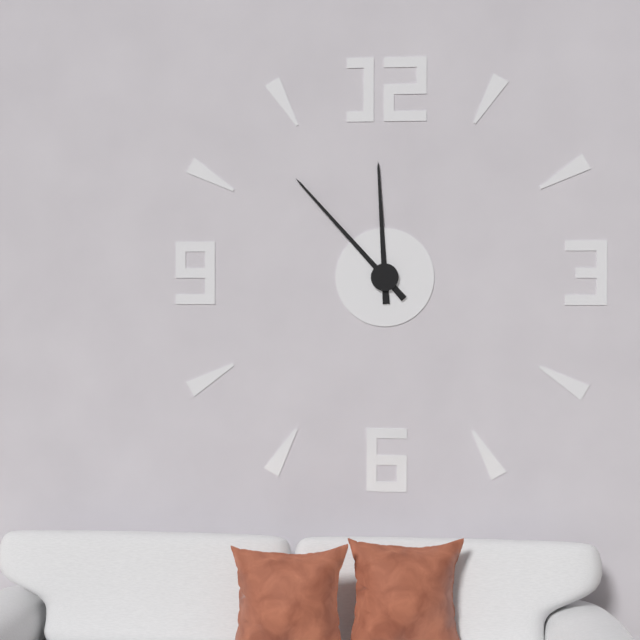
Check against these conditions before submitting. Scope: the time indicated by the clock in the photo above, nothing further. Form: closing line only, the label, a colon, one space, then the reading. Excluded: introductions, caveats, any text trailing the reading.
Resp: 11:53
